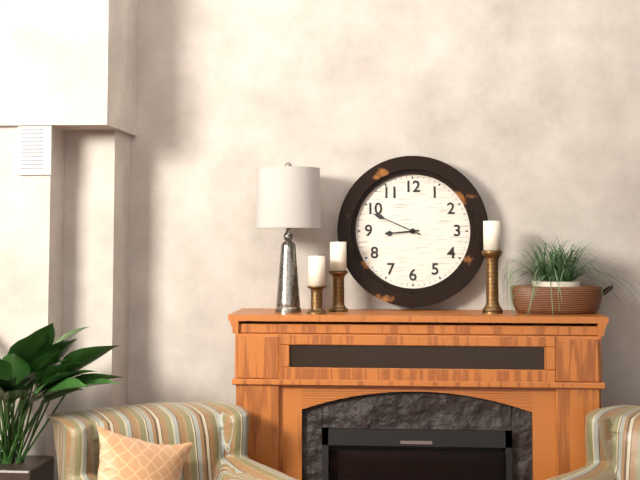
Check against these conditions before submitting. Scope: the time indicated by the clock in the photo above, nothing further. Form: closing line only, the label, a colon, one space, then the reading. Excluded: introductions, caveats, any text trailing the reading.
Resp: 8:49
